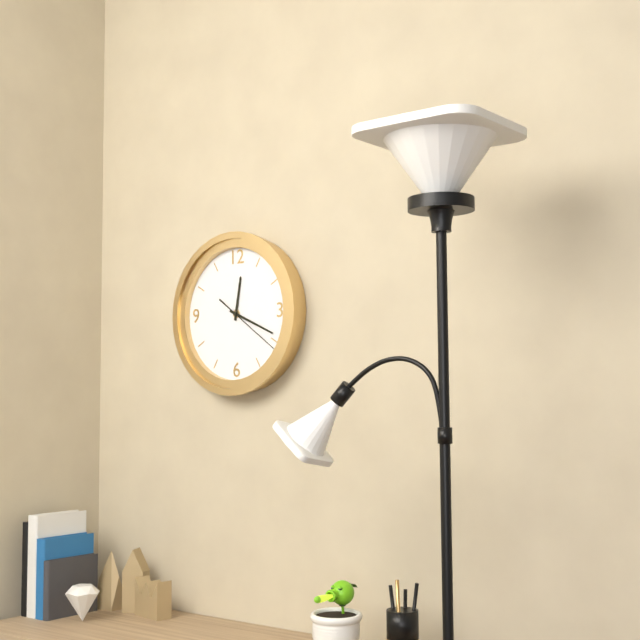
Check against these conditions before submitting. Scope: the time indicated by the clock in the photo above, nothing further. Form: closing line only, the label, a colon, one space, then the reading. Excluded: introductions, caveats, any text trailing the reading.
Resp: 12:19:21
